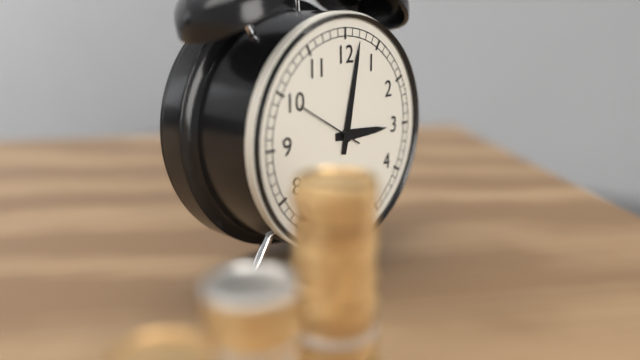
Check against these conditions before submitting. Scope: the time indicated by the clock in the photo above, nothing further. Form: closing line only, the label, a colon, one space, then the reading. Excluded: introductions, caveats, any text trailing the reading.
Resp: 3:02:50
